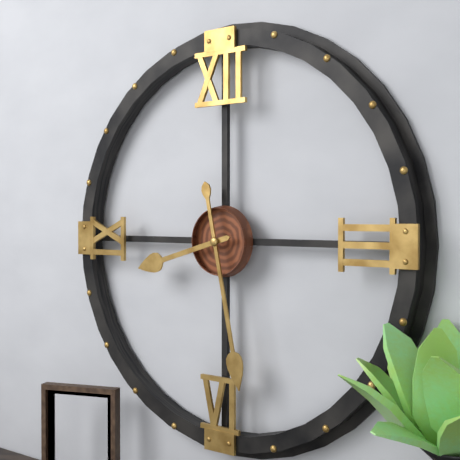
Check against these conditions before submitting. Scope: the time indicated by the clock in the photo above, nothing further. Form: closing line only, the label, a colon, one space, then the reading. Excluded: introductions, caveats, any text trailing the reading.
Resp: 8:28
